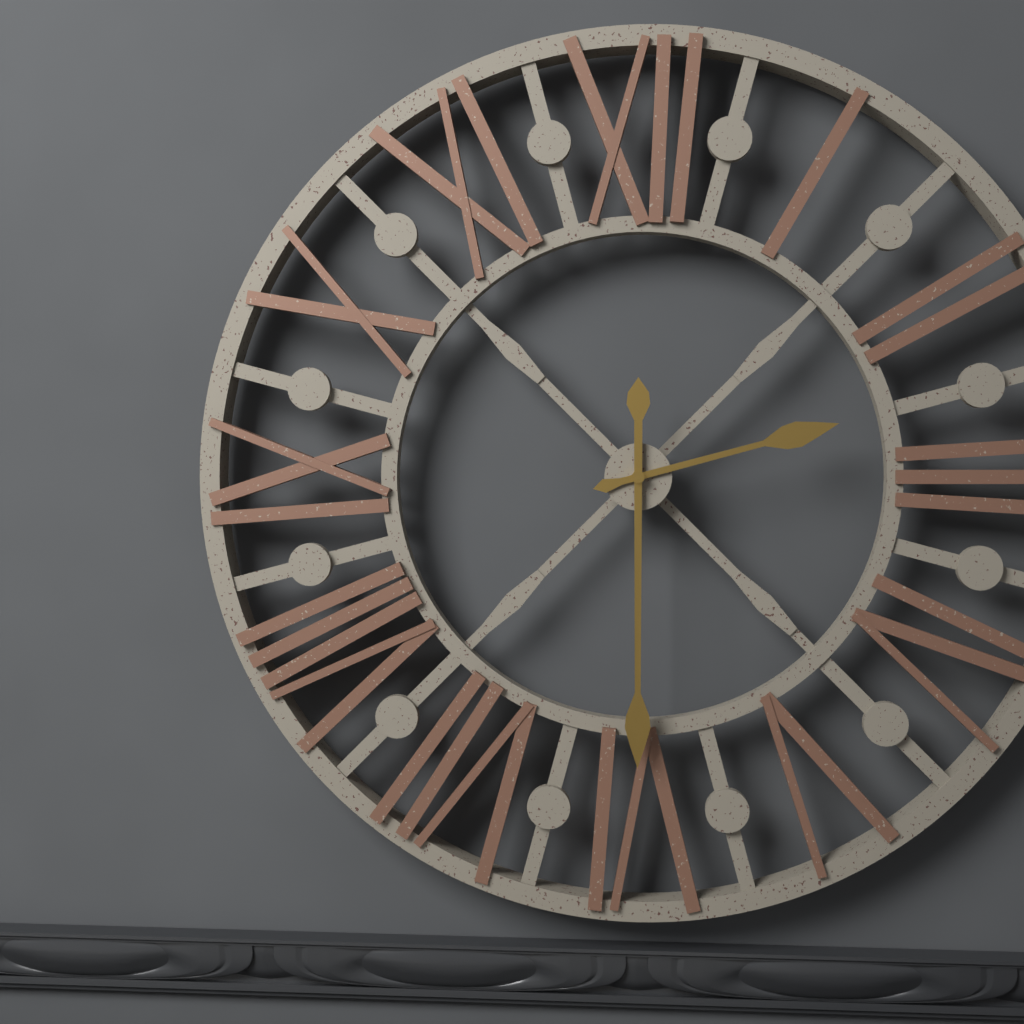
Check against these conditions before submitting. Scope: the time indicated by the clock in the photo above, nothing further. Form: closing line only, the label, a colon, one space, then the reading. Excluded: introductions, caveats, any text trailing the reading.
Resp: 2:30
